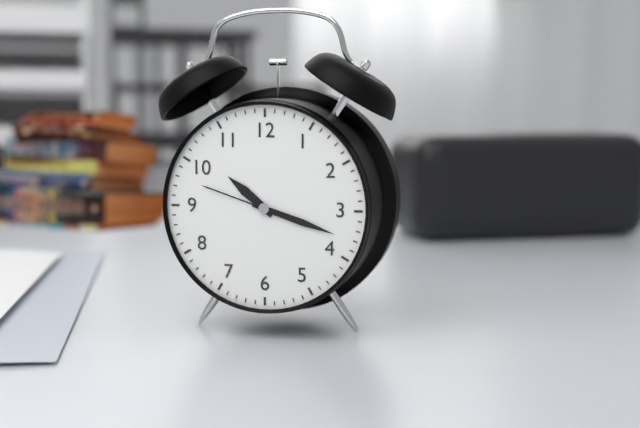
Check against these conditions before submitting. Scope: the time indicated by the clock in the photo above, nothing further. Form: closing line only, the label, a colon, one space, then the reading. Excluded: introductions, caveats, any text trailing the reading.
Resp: 10:18:48
